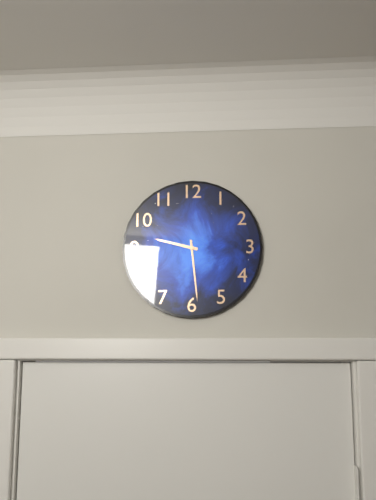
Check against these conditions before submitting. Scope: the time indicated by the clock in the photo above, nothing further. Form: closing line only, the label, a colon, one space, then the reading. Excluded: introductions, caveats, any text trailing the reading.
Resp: 9:29
